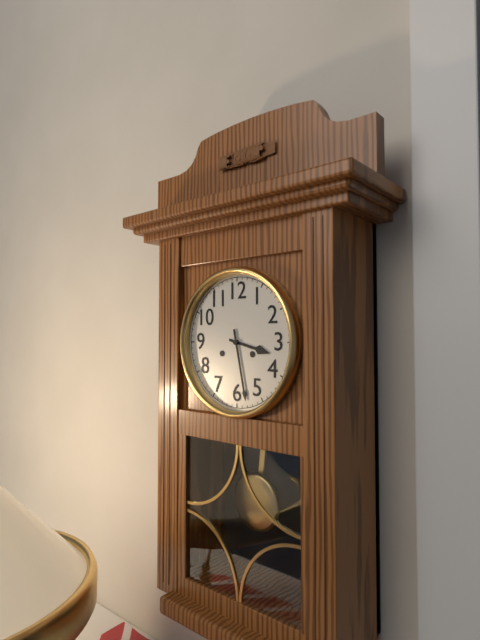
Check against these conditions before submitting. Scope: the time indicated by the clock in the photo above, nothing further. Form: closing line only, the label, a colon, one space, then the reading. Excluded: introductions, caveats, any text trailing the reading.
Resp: 3:28
